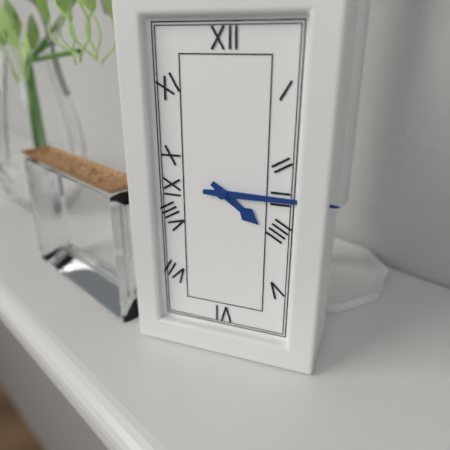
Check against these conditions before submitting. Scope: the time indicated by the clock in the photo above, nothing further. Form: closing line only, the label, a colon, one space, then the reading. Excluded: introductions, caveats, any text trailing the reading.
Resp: 4:15
